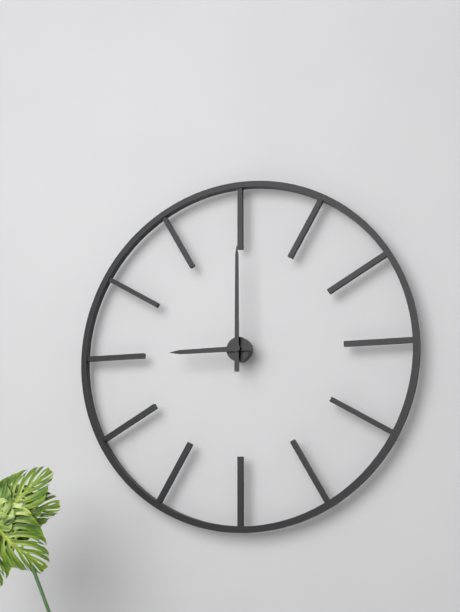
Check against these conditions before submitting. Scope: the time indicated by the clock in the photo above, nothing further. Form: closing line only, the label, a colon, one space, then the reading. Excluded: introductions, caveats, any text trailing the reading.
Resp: 9:00
